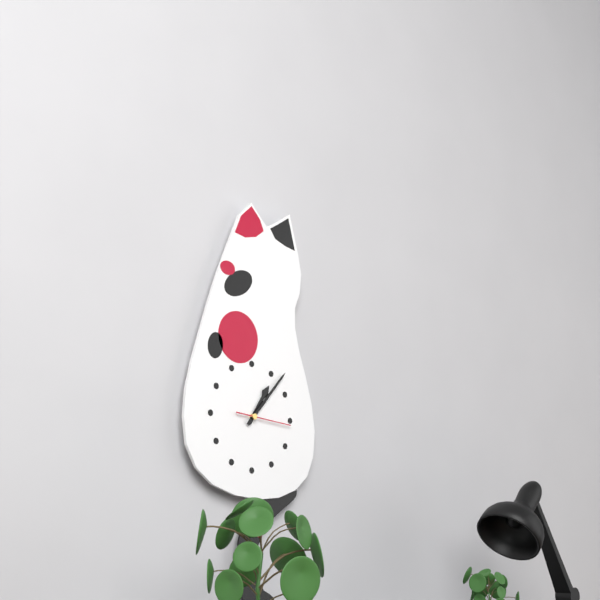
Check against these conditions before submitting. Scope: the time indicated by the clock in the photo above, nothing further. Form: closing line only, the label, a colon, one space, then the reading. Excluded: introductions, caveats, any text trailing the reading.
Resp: 1:07:16
